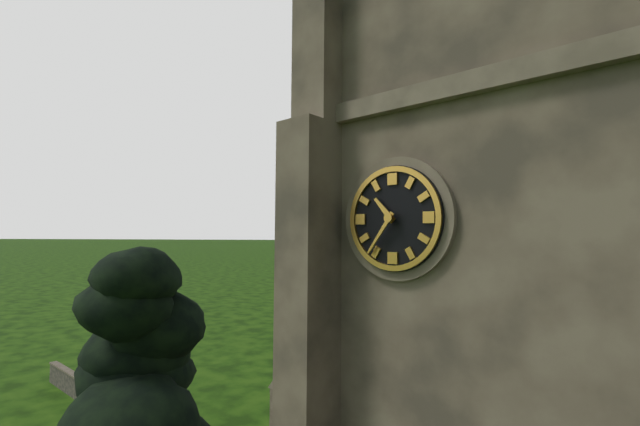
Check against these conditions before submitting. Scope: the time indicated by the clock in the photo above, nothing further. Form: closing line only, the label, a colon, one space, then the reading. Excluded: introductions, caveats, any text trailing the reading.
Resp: 10:36
